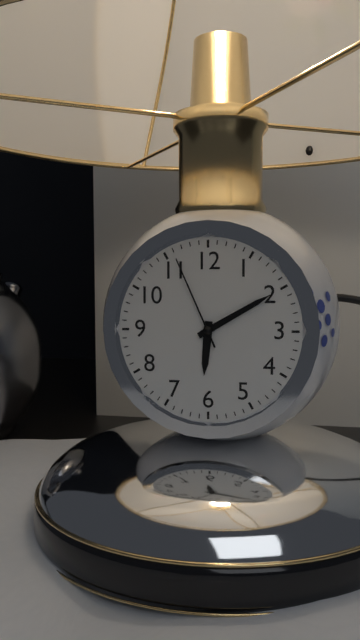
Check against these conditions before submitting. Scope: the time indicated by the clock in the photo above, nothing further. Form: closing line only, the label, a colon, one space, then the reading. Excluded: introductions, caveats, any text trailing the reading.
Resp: 6:10:56
